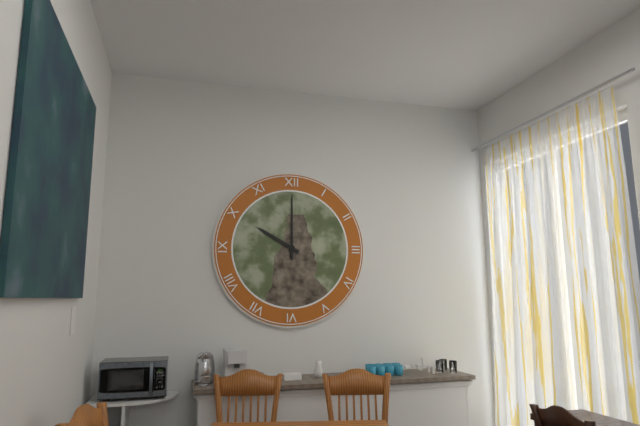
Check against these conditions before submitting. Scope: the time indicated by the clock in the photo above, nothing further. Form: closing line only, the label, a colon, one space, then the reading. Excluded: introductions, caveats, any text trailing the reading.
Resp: 10:00
